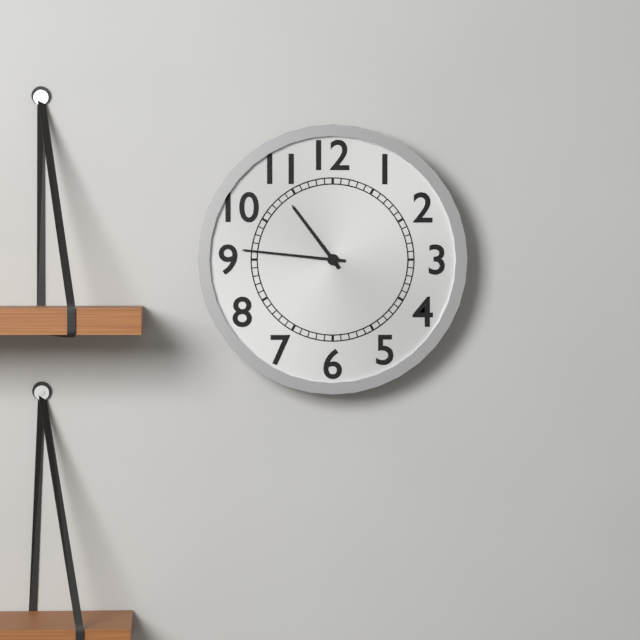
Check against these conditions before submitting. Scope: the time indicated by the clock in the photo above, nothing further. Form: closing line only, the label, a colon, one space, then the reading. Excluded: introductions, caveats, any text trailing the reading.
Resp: 10:46
